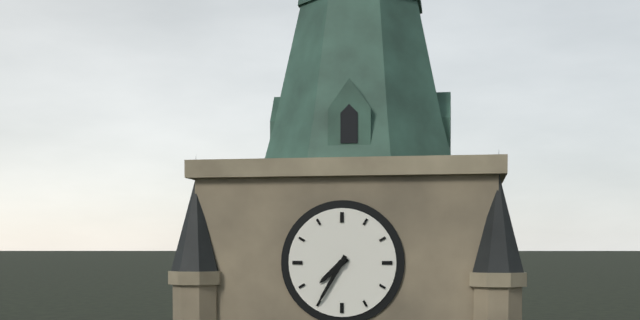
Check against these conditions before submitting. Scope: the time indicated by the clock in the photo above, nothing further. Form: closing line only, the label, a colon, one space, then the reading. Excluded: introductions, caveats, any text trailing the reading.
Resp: 7:35
